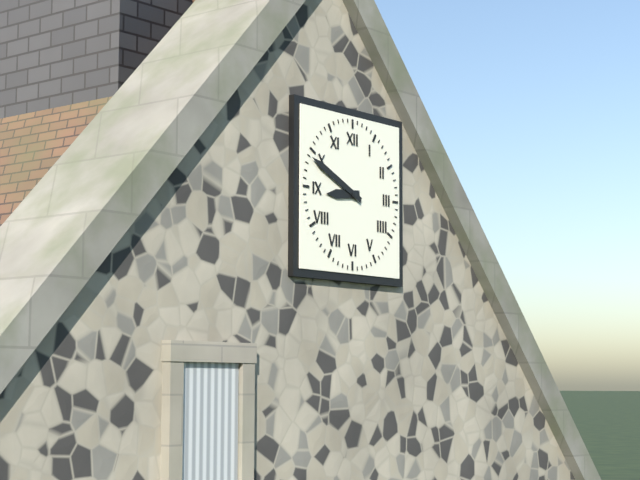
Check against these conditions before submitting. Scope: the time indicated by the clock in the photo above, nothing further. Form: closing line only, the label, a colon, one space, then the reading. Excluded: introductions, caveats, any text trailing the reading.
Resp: 8:49
